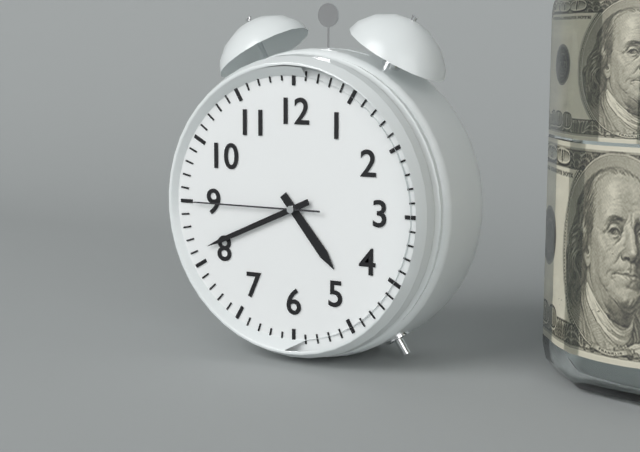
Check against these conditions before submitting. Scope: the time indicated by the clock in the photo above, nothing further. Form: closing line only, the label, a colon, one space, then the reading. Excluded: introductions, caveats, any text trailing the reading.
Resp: 4:41:45
